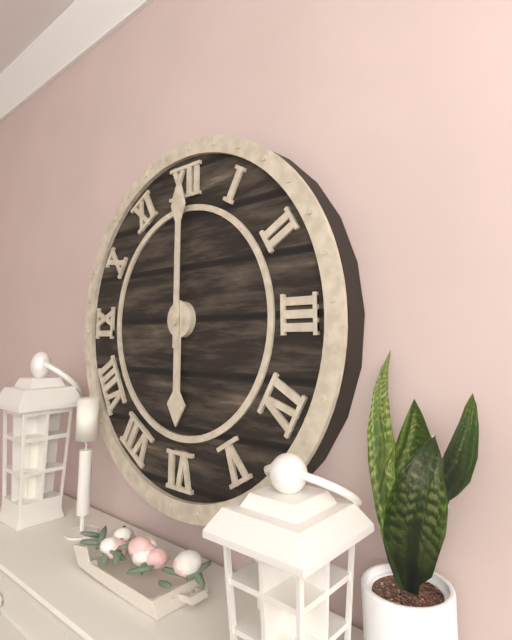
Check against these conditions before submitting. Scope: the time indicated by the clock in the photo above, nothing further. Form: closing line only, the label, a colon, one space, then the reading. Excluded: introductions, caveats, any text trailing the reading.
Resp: 6:00
